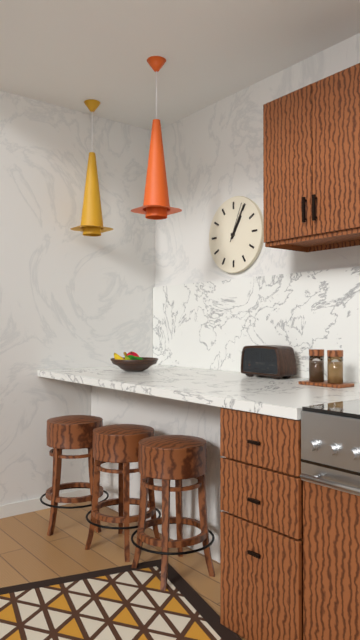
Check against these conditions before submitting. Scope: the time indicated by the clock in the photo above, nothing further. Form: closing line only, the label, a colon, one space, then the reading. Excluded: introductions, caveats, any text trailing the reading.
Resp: 1:05
